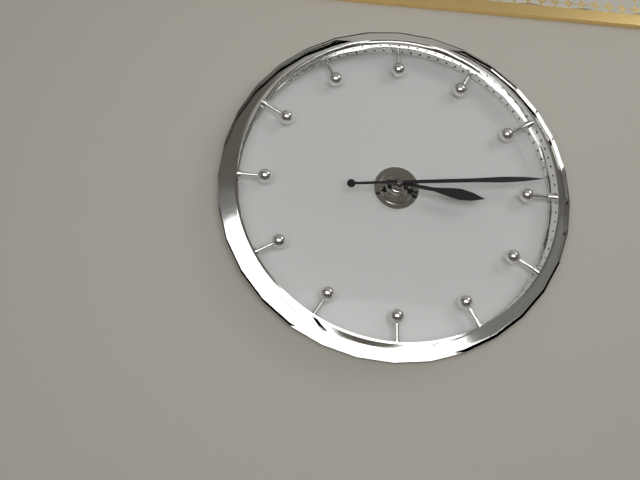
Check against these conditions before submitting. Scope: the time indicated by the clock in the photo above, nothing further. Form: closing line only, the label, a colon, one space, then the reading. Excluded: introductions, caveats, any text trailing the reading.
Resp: 3:14
